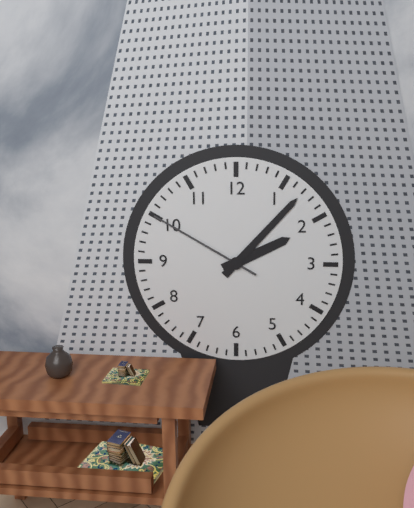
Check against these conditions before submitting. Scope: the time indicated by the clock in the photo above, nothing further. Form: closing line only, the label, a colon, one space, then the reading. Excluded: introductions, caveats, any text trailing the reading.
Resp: 2:07:50
